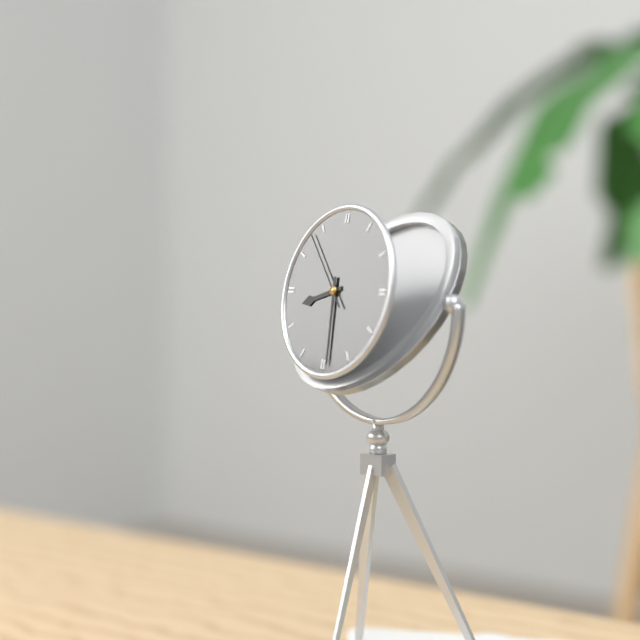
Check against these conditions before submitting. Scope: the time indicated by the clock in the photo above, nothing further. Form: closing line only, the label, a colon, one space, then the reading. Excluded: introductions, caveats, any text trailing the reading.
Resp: 8:29:53
